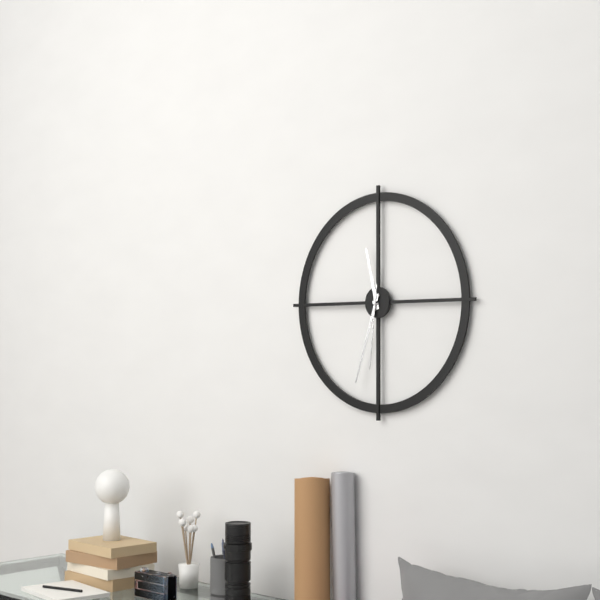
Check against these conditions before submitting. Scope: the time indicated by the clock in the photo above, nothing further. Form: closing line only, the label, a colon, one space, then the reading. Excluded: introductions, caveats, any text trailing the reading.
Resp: 11:33:31
